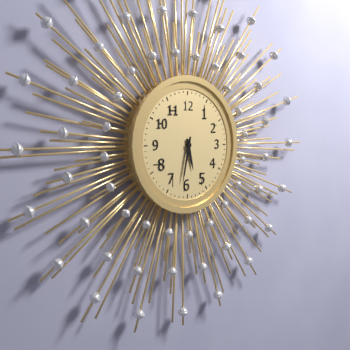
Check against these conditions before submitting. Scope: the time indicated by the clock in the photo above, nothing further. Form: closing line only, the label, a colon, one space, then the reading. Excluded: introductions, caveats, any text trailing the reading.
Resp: 5:32
